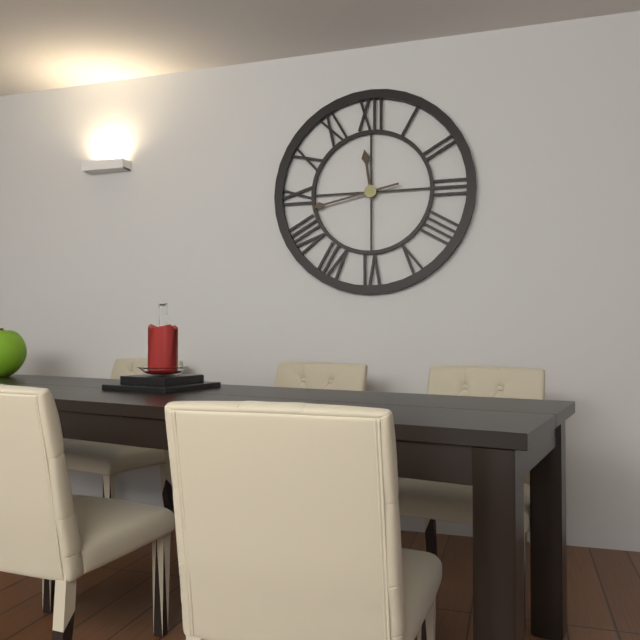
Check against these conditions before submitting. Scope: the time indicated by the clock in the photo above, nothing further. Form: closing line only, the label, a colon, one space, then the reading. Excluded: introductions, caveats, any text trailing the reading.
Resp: 11:43
